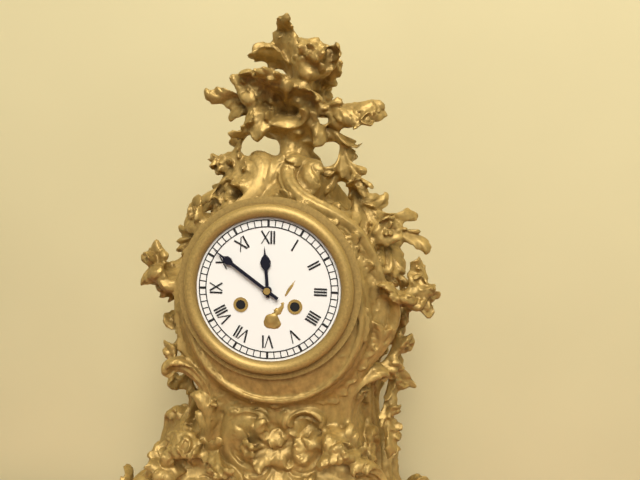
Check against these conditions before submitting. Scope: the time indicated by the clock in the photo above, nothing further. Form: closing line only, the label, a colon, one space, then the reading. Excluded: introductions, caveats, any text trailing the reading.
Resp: 11:51
